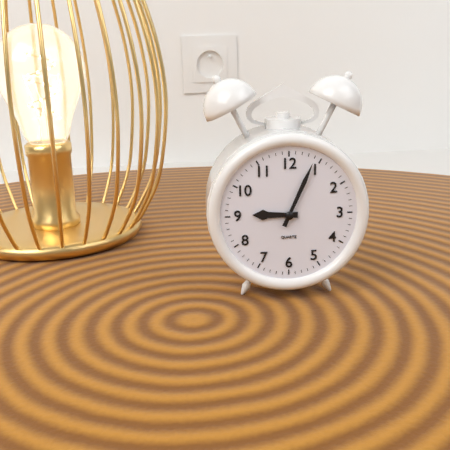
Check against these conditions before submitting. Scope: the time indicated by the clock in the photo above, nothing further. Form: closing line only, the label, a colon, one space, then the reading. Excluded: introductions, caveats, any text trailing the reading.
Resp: 9:04
